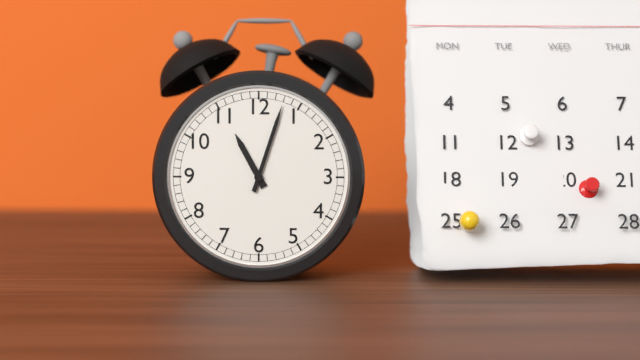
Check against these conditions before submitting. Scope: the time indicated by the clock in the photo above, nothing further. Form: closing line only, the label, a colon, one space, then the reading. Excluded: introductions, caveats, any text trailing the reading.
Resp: 11:03
